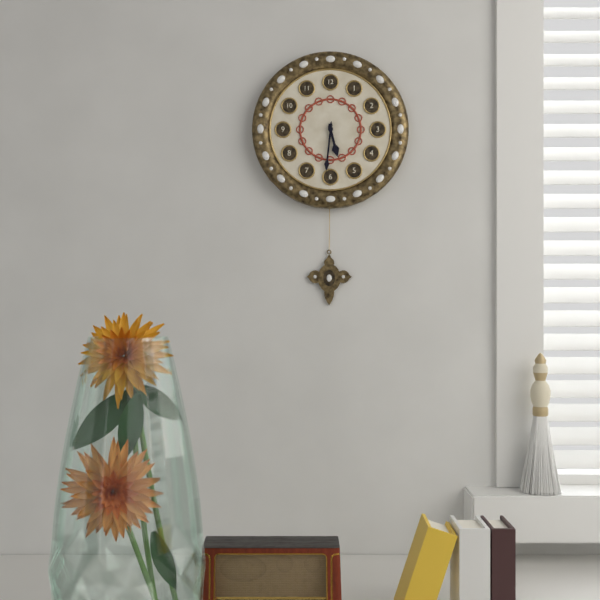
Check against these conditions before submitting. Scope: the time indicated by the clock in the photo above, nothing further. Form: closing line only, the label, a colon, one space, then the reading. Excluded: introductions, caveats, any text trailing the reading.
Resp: 5:31
